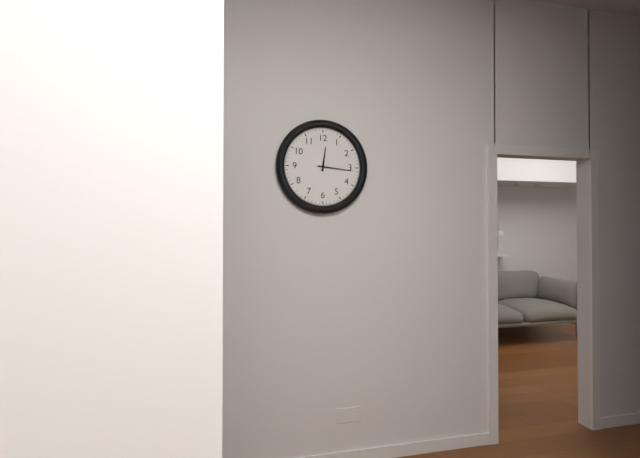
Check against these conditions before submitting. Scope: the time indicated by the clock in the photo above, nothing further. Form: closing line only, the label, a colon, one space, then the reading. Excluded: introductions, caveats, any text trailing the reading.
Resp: 12:16
